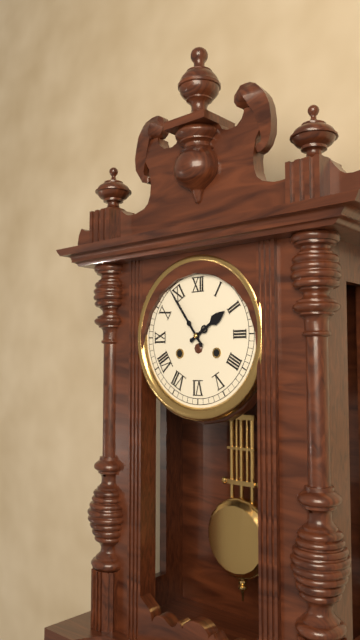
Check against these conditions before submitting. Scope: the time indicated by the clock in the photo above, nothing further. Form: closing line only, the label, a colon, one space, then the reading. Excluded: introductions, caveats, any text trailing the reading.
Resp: 1:54
